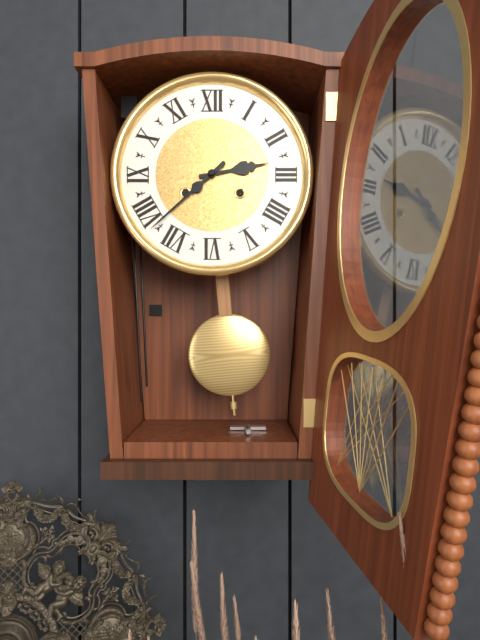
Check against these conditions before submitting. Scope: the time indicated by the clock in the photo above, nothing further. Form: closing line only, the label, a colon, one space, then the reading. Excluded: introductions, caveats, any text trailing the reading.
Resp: 2:38
